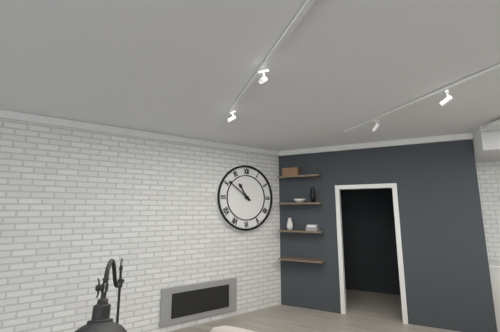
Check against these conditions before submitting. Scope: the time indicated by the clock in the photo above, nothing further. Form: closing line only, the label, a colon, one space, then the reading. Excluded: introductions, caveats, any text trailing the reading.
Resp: 10:51
